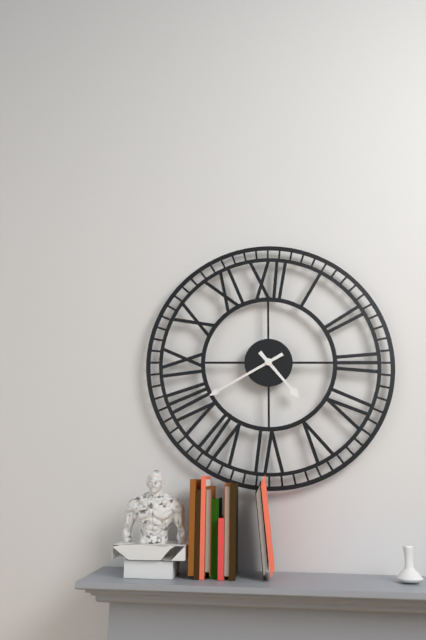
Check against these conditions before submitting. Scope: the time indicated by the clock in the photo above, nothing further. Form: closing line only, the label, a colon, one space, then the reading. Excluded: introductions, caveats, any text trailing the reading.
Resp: 4:40
